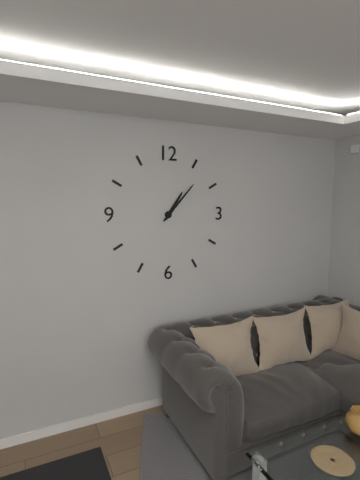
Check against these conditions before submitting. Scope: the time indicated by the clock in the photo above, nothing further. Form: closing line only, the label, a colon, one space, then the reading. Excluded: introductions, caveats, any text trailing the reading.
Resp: 1:07
